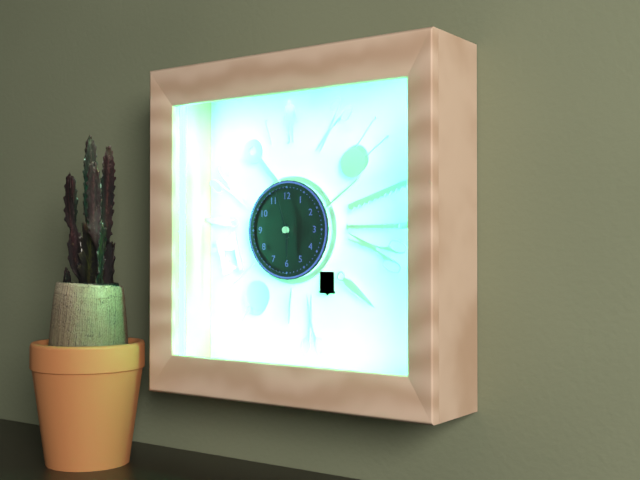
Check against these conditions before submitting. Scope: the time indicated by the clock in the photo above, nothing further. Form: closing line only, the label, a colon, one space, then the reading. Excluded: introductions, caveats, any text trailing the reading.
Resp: 5:57
